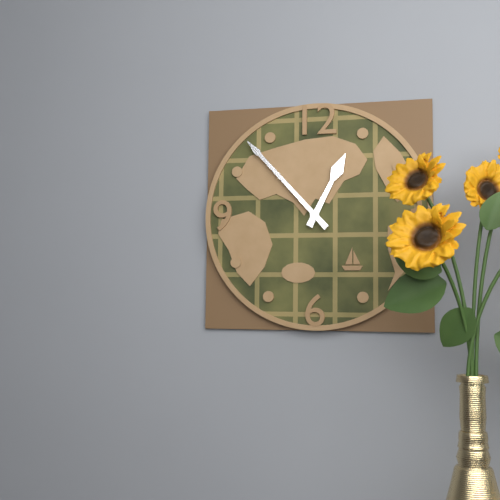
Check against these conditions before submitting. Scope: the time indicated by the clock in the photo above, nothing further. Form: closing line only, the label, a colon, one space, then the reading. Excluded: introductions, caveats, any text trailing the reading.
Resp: 12:53
